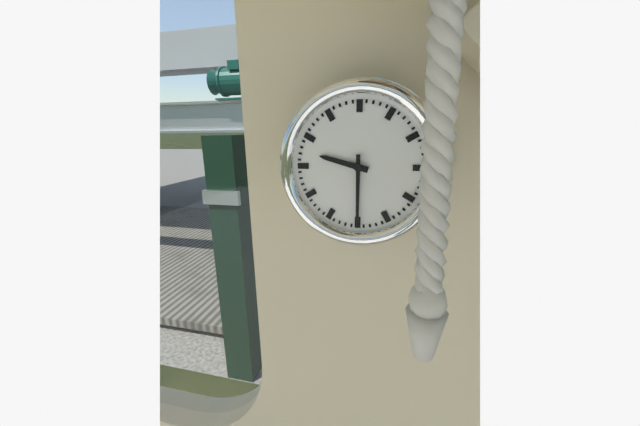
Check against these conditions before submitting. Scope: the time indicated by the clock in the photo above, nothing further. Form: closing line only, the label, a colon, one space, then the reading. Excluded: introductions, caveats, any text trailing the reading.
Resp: 9:30
